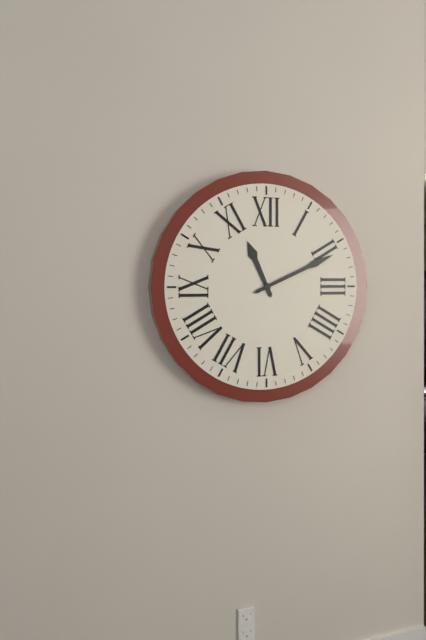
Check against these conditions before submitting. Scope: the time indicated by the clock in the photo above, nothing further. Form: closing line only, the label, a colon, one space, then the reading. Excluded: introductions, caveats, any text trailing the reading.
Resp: 11:11
